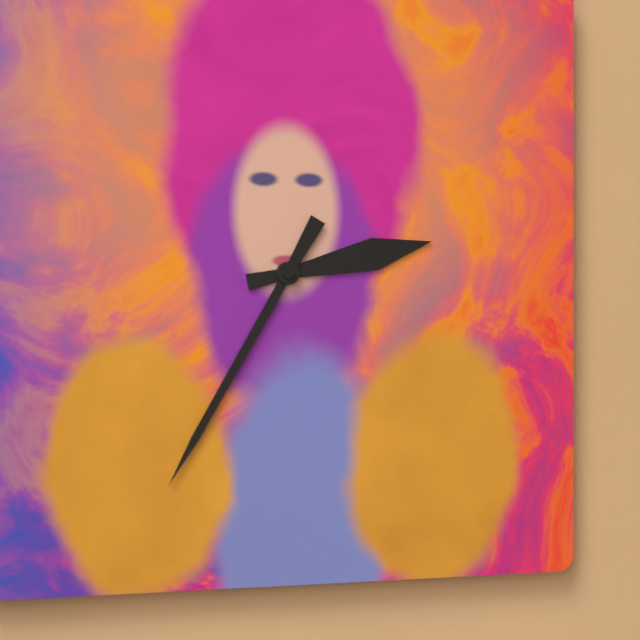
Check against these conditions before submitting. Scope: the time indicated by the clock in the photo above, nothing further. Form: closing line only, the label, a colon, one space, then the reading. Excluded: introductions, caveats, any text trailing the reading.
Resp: 2:35
